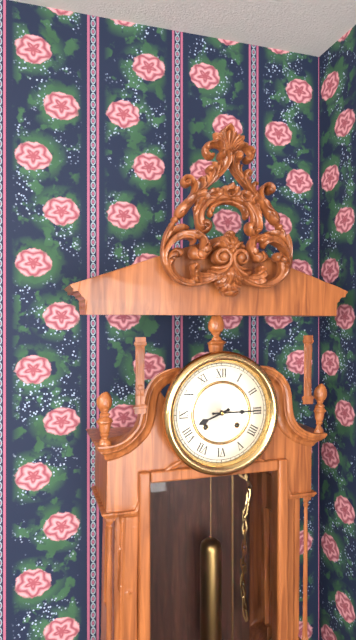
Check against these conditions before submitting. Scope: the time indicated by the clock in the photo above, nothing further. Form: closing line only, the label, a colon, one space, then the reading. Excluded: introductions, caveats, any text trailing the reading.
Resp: 8:15
